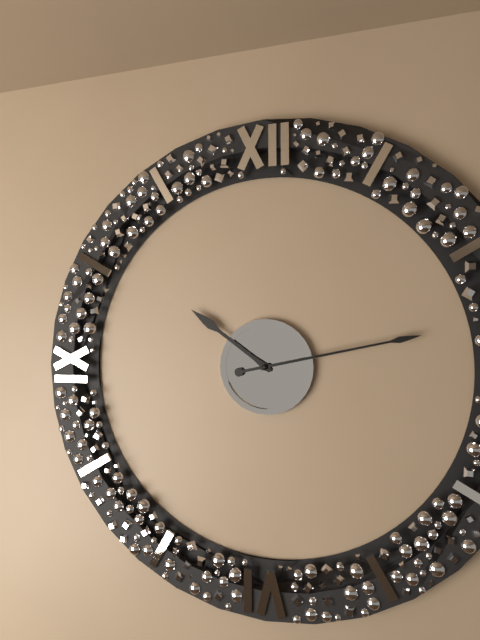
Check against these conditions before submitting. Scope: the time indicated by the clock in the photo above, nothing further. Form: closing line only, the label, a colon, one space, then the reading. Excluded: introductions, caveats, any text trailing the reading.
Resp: 10:13
